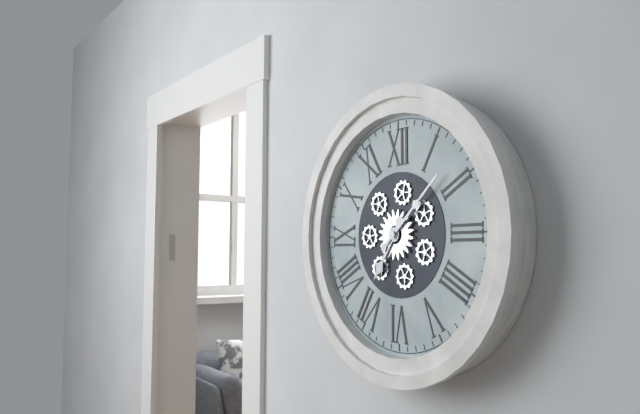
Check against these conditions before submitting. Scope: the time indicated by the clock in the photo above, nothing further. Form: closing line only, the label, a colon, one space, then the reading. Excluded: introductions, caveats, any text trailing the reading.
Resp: 7:08
